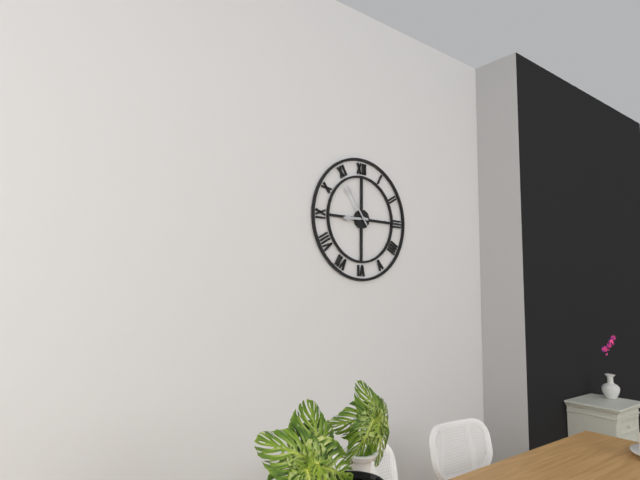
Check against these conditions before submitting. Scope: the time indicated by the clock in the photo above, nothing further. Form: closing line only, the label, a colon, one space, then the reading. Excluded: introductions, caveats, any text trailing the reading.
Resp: 8:54
